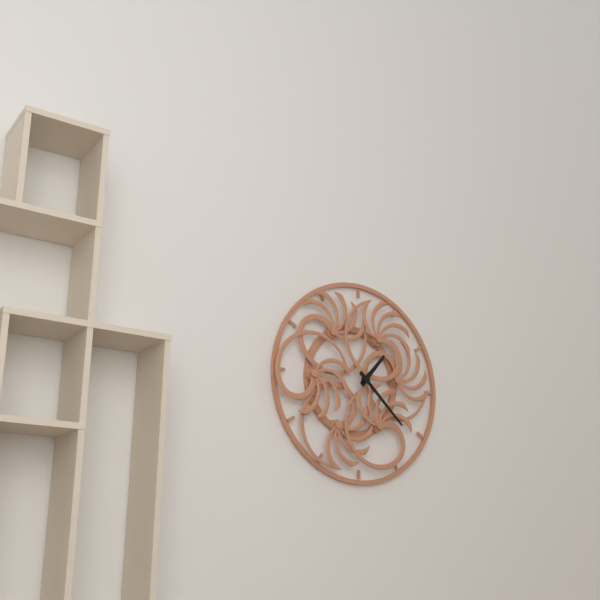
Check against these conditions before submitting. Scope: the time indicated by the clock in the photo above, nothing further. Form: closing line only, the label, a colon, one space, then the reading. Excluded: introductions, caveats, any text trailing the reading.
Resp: 1:22
